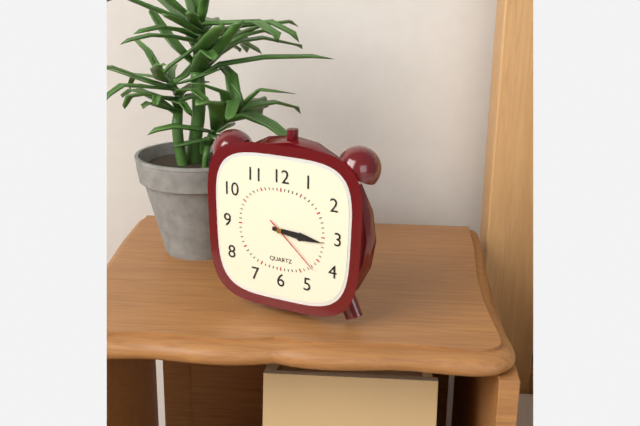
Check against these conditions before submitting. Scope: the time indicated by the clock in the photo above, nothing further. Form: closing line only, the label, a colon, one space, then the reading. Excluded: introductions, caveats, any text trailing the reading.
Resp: 3:16:22
